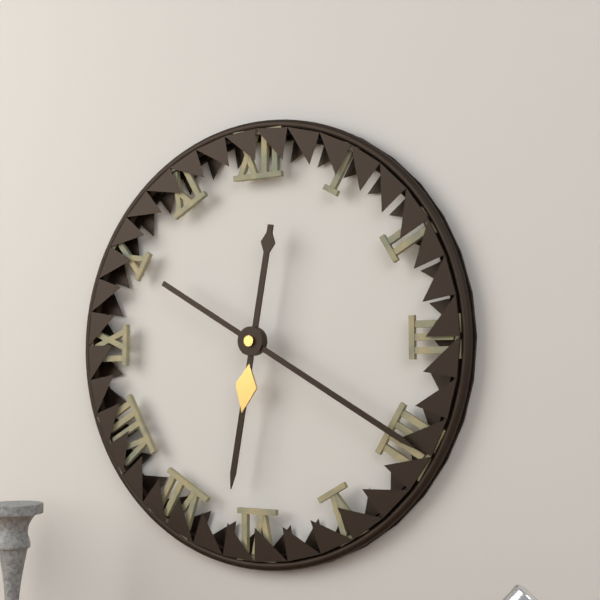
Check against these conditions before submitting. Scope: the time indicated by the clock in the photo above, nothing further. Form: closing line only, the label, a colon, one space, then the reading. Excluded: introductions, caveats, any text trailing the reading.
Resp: 6:20
